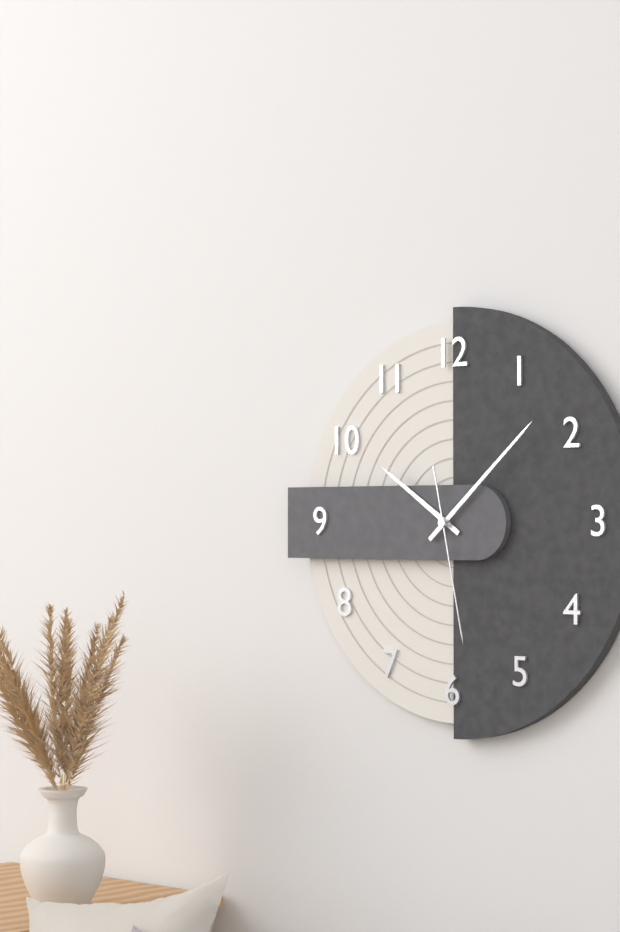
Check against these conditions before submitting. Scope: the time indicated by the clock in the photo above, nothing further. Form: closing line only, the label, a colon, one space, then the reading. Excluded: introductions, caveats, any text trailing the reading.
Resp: 10:08:28
